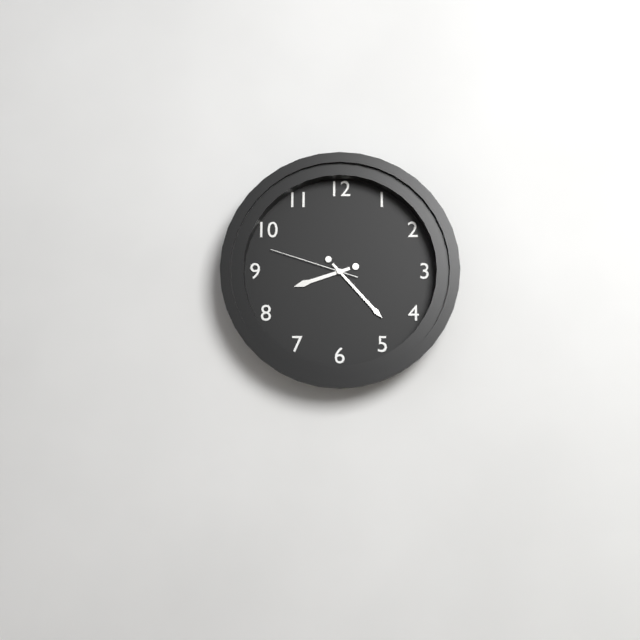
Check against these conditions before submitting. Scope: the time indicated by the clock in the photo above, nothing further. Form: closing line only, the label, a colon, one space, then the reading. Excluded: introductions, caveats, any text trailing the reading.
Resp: 8:23:48
